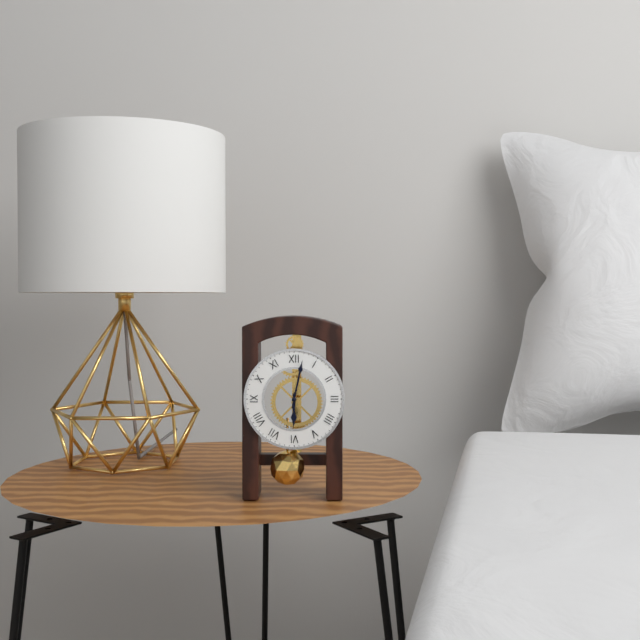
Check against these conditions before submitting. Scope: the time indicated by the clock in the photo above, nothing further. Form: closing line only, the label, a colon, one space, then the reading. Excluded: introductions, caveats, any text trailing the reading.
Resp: 6:02
